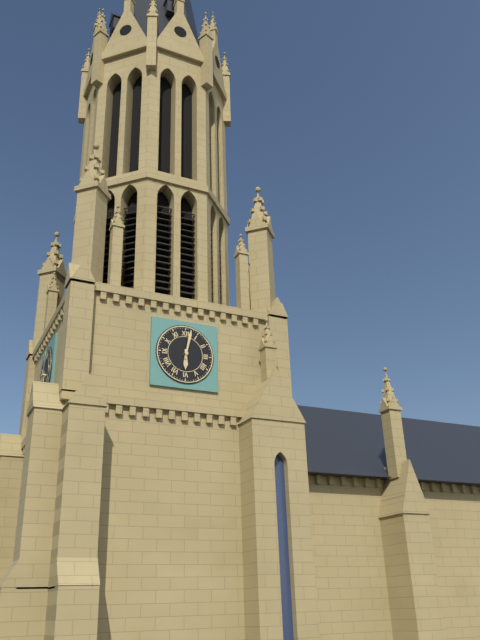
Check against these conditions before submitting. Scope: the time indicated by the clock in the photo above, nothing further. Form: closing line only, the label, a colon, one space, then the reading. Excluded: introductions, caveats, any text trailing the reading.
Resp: 6:02
